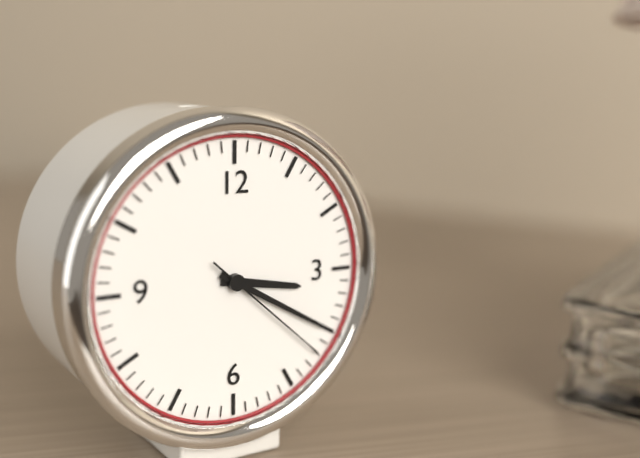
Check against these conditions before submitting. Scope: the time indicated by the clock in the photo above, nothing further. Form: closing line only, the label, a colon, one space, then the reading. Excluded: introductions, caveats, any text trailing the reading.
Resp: 3:20:22
